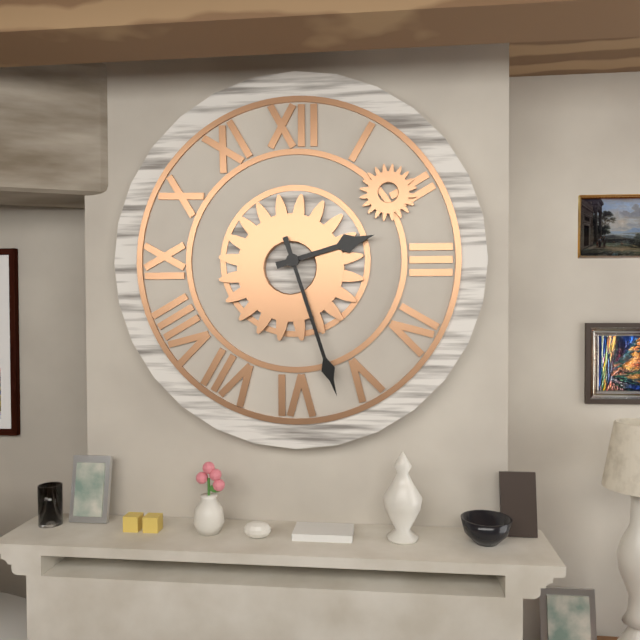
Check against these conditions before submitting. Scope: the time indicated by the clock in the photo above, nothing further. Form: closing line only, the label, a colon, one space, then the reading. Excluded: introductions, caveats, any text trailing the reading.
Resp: 2:27
